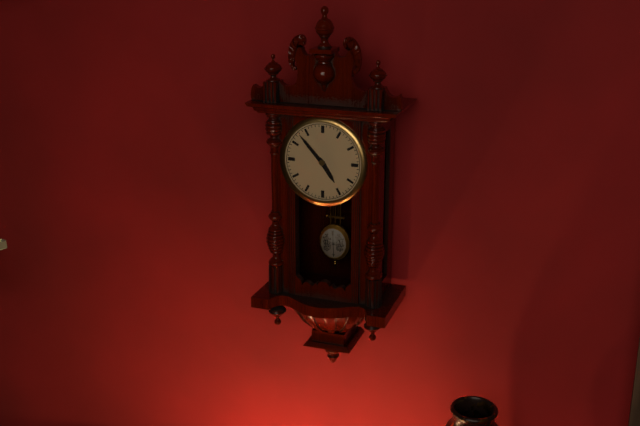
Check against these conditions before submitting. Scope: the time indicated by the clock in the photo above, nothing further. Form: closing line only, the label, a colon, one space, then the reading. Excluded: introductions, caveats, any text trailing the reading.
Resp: 4:53
